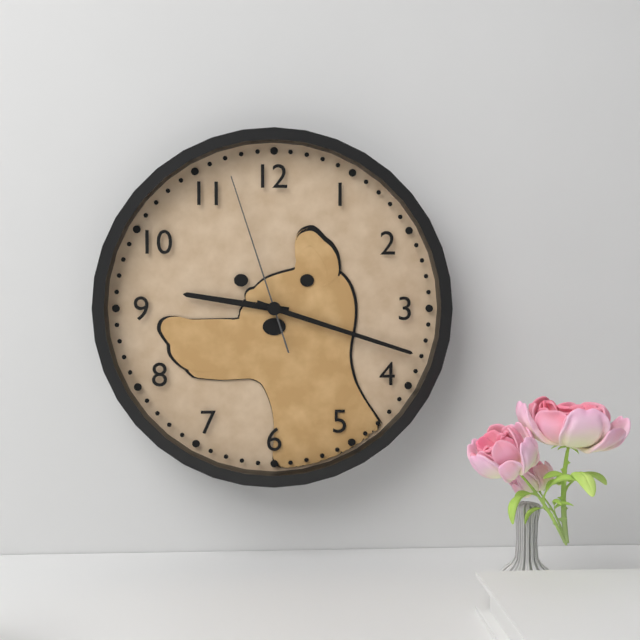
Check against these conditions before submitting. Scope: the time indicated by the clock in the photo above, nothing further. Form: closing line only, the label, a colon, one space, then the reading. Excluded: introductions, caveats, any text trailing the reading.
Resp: 9:18:57
